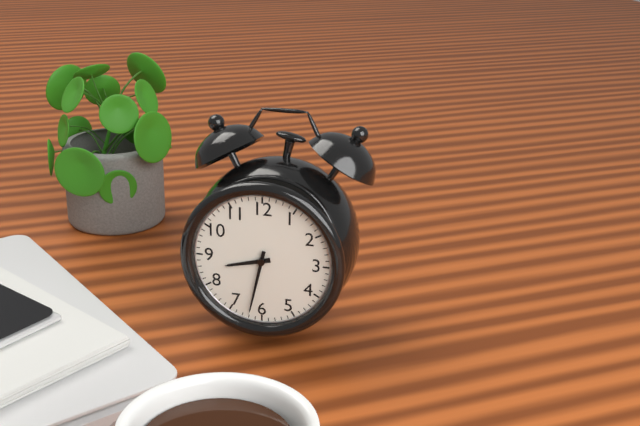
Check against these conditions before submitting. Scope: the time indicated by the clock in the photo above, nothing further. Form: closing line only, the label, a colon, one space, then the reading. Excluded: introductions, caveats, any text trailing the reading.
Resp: 8:32
